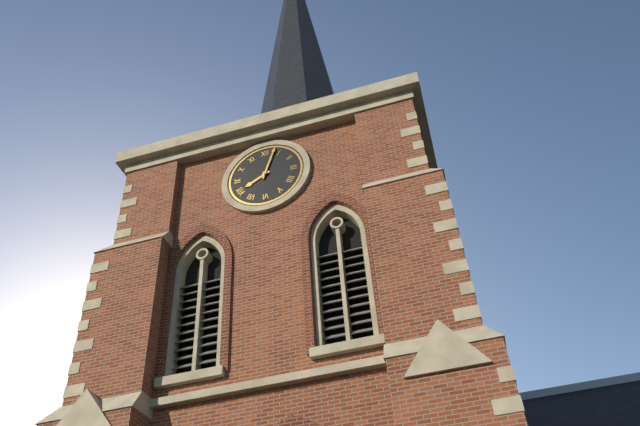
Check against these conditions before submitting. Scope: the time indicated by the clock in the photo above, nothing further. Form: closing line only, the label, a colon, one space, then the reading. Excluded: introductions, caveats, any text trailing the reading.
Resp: 8:03
